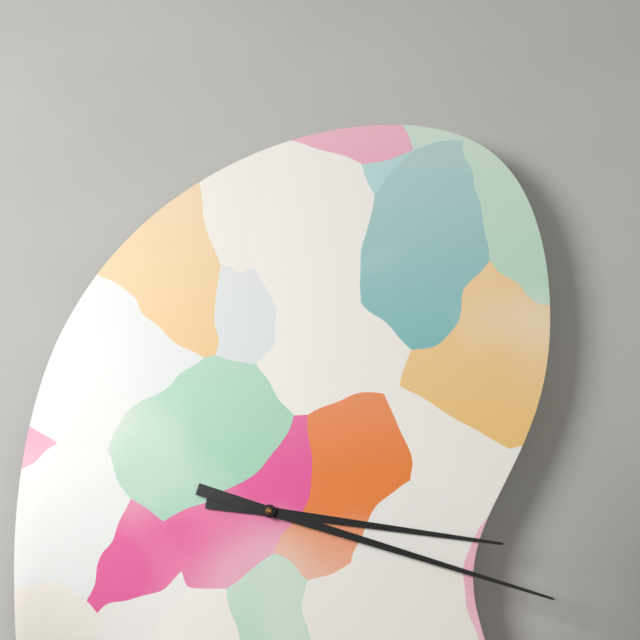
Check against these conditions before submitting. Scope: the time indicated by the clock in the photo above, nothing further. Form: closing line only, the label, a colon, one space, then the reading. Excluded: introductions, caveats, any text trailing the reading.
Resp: 3:18
